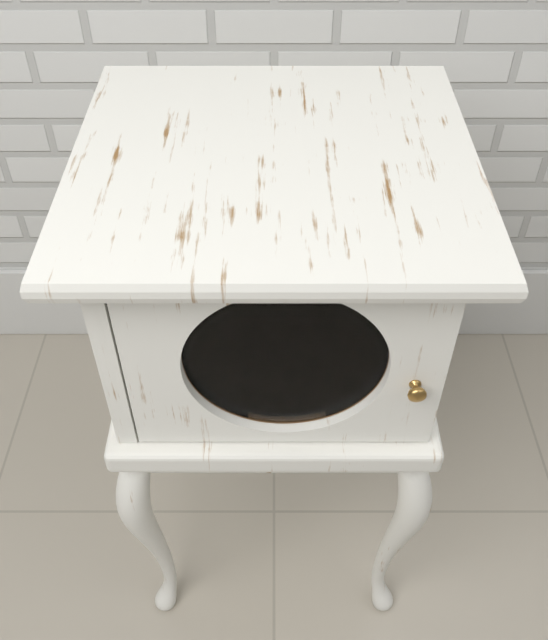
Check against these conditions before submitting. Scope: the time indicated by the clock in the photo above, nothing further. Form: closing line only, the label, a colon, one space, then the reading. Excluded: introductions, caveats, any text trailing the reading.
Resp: 12:30:36
